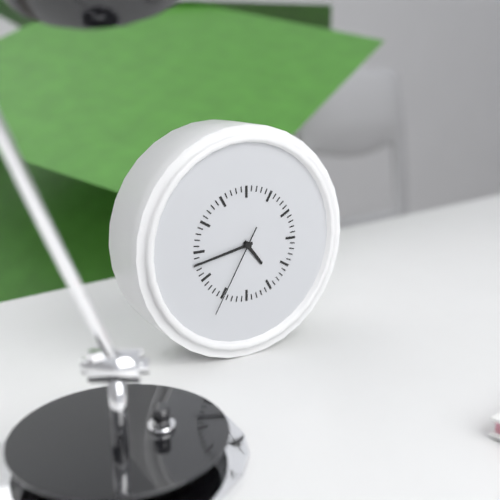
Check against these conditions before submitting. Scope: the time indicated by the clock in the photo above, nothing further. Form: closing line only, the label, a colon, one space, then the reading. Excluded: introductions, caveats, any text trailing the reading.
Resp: 4:43:35
